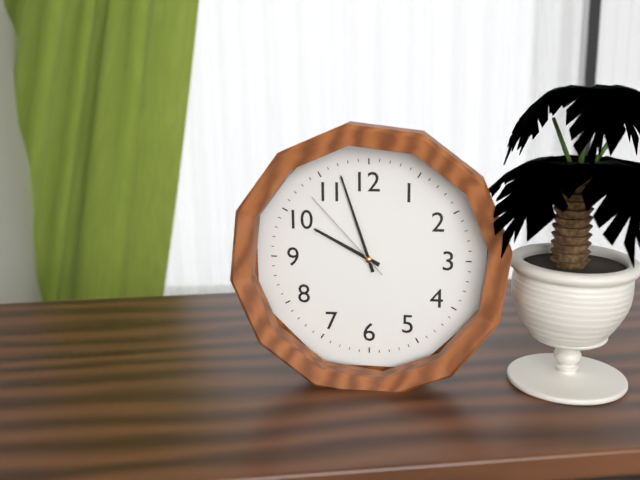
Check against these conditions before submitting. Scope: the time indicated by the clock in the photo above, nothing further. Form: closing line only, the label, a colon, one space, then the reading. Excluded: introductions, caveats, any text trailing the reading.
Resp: 9:57:53
